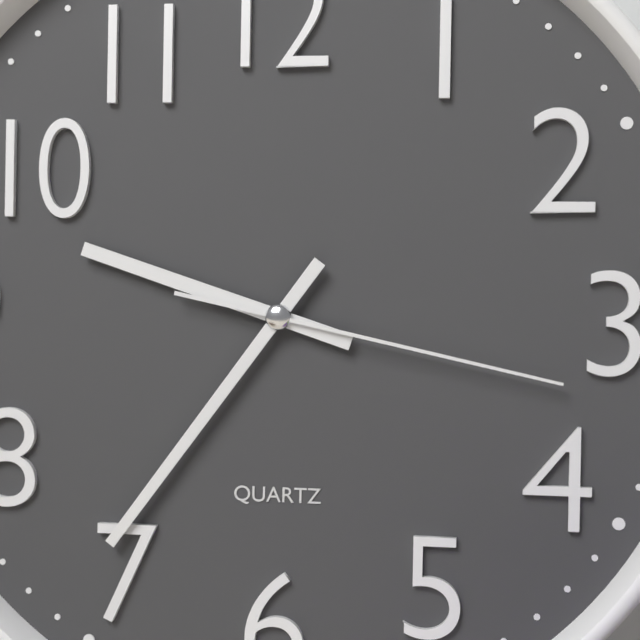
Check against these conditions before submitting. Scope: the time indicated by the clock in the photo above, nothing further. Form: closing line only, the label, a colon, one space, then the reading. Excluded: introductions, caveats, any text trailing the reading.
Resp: 9:36:17
